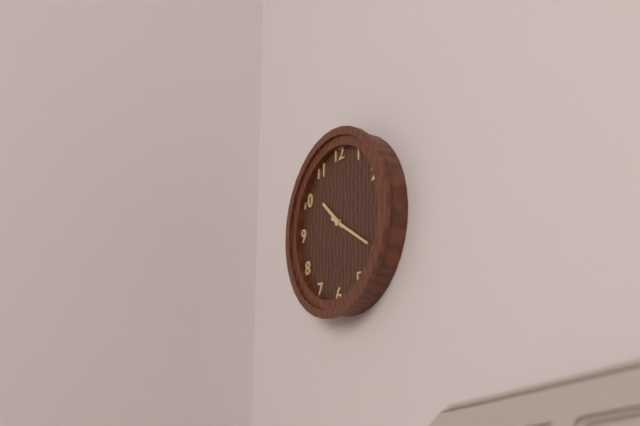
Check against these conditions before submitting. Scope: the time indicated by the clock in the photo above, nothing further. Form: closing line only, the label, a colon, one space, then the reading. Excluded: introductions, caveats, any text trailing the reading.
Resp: 10:20
